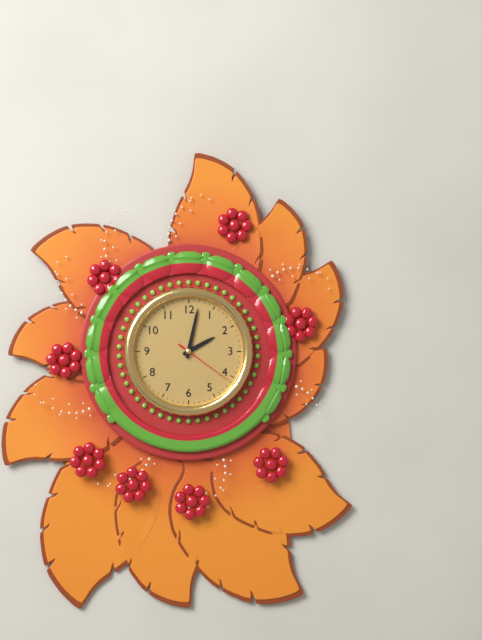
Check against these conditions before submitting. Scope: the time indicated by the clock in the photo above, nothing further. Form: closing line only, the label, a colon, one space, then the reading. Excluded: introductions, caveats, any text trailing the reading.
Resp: 2:02:21
